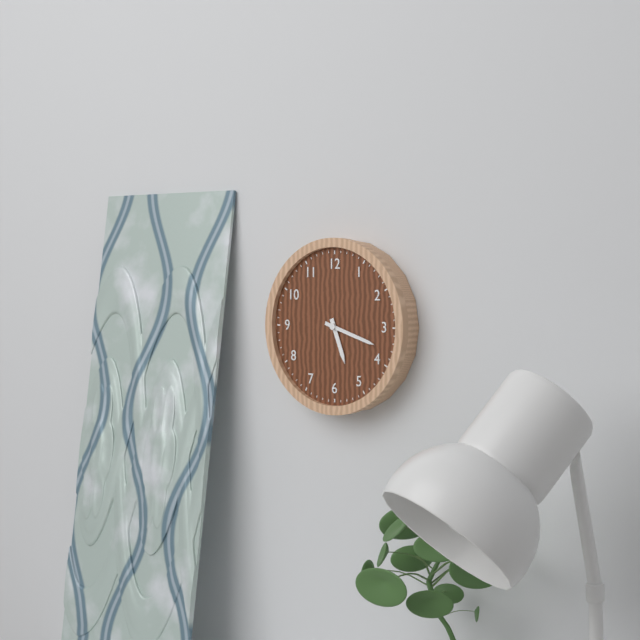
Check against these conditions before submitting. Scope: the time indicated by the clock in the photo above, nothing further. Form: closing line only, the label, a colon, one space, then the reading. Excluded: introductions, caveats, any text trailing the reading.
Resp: 5:18
